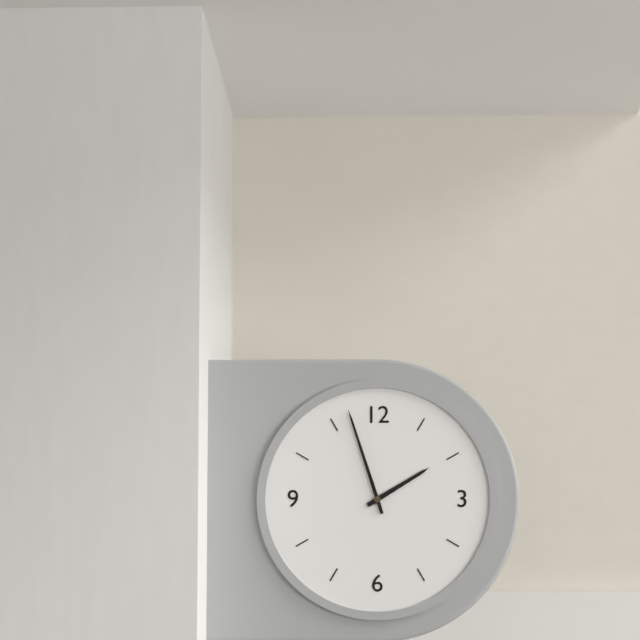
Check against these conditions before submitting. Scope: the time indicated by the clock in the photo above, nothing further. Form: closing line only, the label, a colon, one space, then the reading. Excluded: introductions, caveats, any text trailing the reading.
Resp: 1:57
